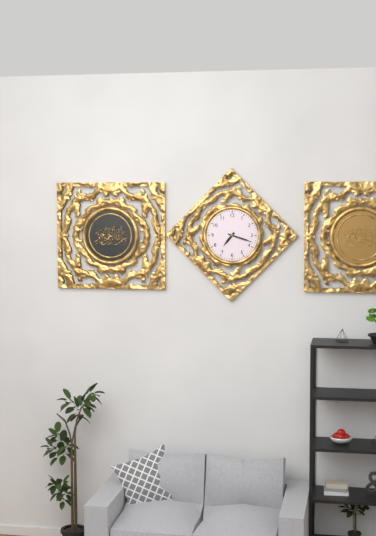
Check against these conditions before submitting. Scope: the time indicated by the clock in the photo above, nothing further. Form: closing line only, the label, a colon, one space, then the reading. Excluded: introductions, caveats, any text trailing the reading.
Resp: 7:18
